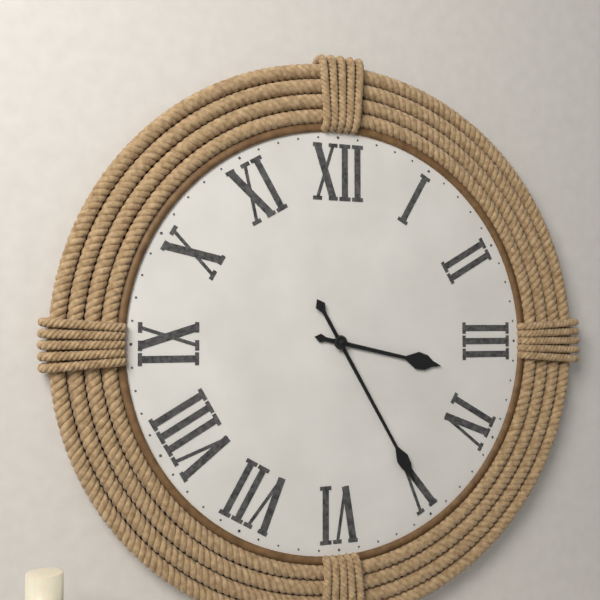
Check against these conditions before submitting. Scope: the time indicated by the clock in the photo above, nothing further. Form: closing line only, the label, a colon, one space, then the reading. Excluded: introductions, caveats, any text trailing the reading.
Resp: 3:25
